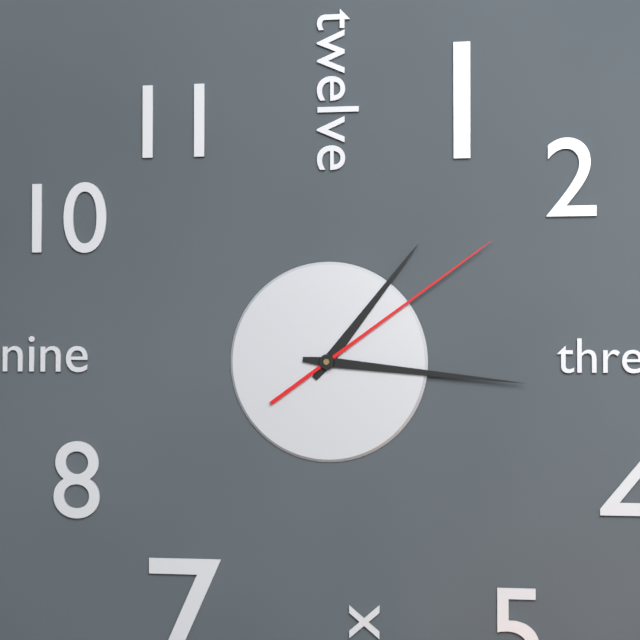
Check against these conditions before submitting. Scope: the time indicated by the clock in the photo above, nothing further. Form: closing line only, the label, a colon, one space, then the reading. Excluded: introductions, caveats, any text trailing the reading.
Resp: 1:16:09
